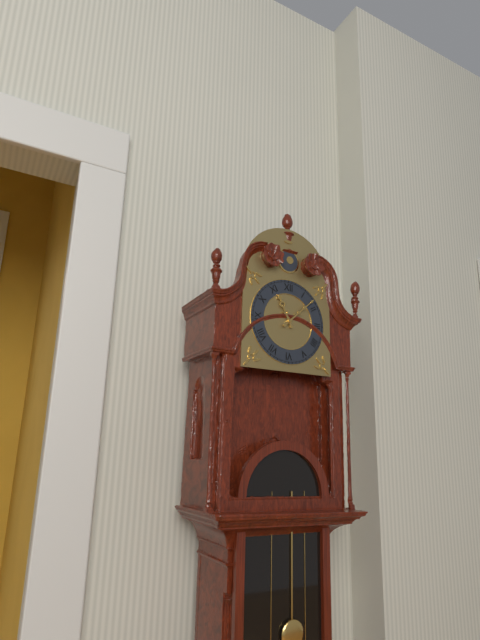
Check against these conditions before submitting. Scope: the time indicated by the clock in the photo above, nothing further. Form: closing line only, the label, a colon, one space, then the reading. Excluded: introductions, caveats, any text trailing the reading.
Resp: 11:08
